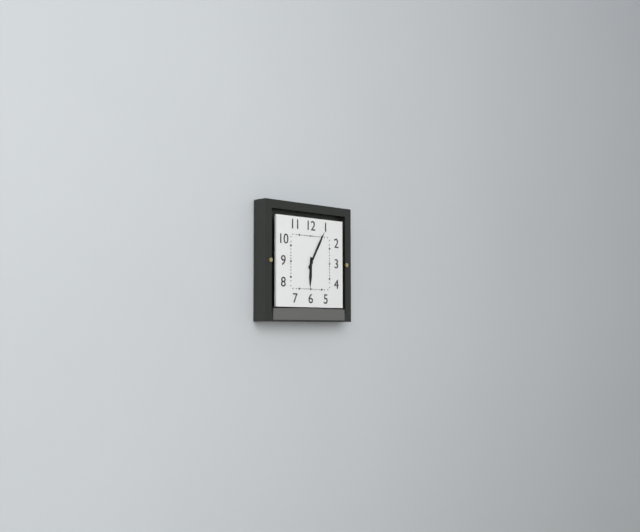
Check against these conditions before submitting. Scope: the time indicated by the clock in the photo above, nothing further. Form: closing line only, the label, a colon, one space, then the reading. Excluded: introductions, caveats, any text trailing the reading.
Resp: 6:05
